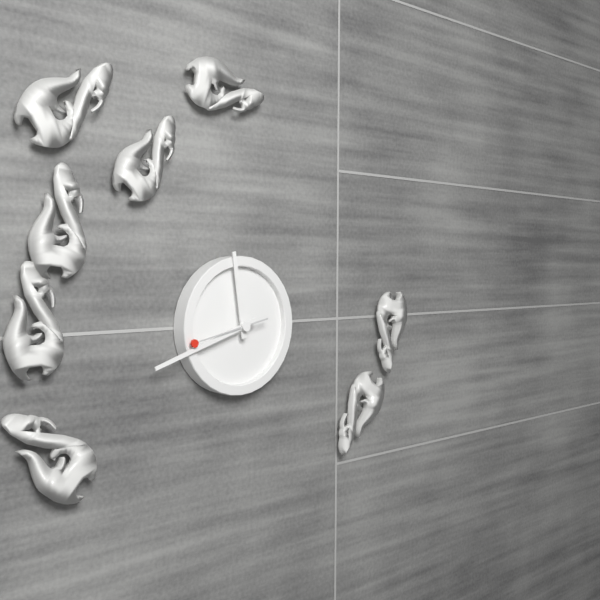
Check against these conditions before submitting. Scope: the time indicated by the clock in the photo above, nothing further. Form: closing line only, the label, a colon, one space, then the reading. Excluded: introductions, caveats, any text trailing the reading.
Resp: 11:42:43
